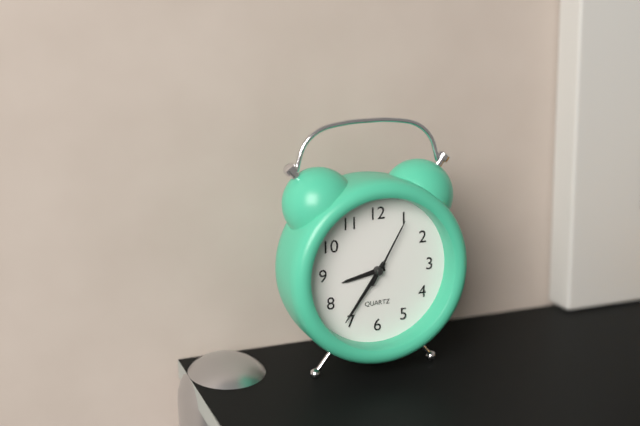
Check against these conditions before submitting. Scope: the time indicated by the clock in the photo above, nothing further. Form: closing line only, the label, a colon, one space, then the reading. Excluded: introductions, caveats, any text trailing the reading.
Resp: 8:36:05
